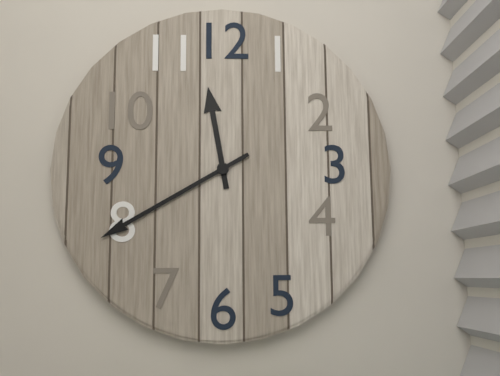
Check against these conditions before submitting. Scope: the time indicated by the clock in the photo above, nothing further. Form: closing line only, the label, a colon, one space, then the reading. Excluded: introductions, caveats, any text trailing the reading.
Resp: 11:40
